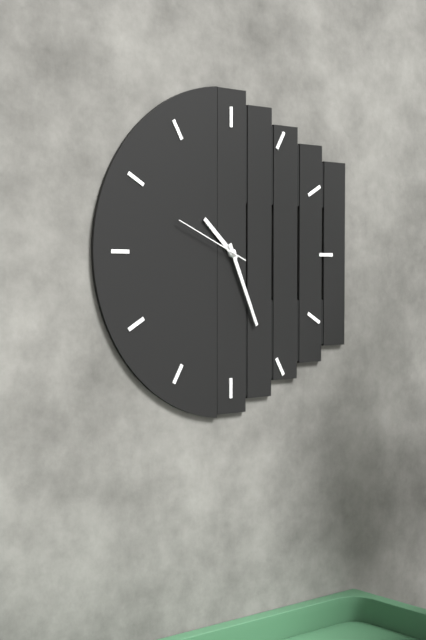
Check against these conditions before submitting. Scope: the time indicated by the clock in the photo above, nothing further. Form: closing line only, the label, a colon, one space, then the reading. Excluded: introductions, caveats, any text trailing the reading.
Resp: 10:26:49
